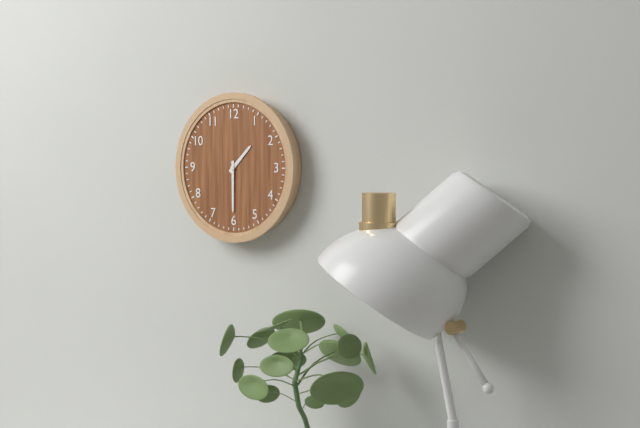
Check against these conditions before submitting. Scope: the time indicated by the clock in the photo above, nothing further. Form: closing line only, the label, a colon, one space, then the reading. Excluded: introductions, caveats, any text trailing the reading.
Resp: 1:30
